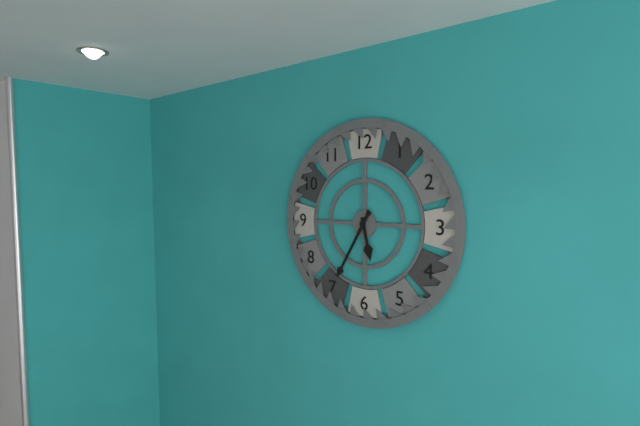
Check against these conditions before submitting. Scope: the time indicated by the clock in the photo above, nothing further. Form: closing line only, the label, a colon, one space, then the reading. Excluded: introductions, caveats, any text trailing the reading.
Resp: 5:35
